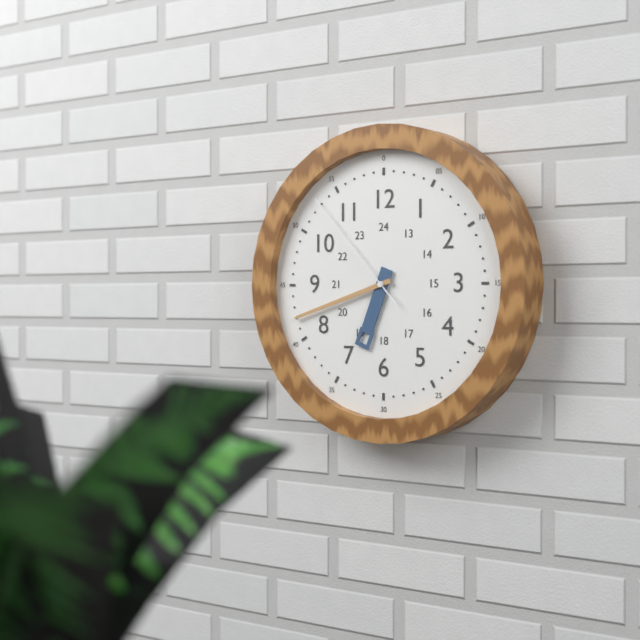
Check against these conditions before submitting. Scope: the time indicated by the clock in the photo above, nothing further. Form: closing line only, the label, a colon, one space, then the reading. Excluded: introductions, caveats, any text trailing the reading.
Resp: 6:42:53
